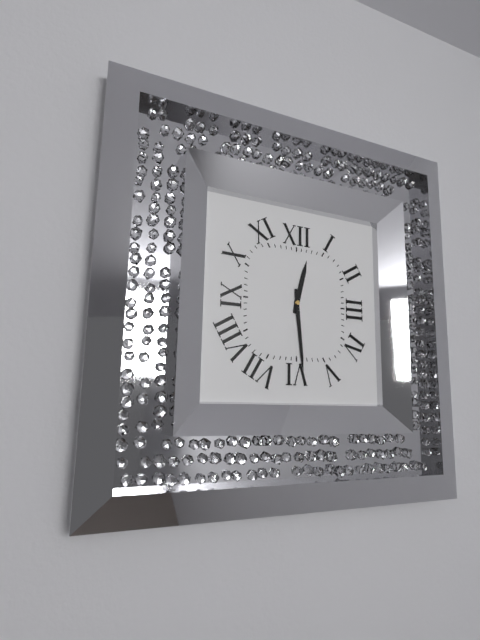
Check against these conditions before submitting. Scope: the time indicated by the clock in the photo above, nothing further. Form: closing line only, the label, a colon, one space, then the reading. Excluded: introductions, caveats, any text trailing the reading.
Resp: 12:29
